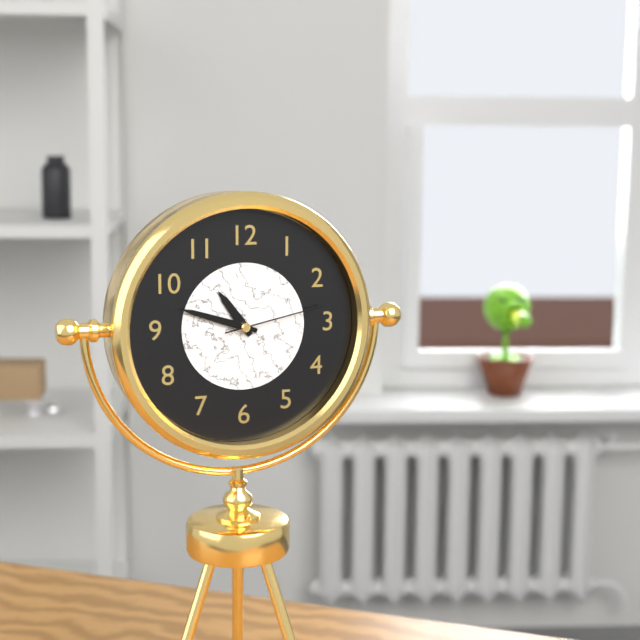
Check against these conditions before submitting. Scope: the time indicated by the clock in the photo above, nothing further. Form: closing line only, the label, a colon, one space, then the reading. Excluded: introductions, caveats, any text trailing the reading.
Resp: 10:48:13
